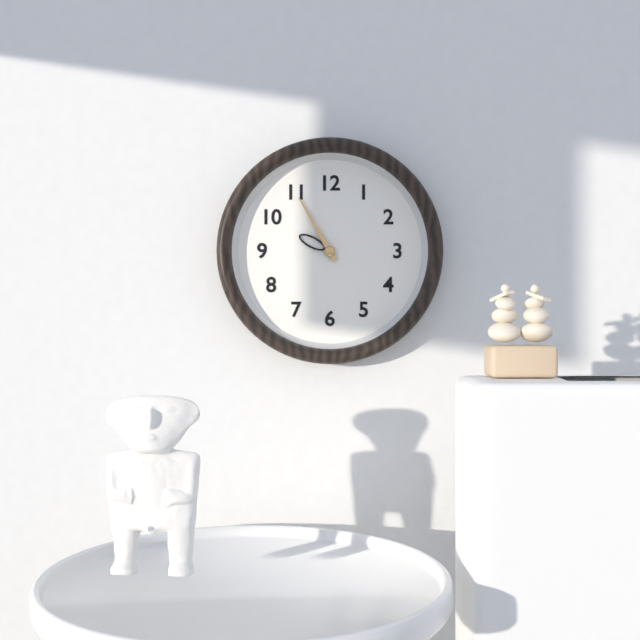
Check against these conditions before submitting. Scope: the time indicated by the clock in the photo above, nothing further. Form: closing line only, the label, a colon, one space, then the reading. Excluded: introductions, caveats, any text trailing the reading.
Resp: 9:55
